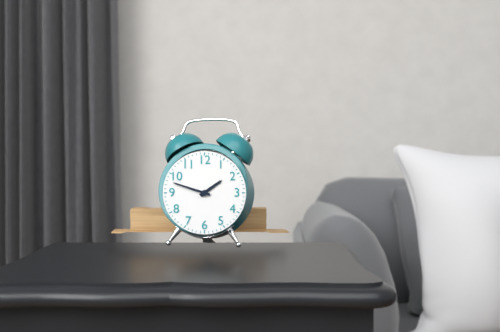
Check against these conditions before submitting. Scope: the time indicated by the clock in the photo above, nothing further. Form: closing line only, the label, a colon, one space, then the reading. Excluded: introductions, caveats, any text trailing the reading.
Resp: 1:48
